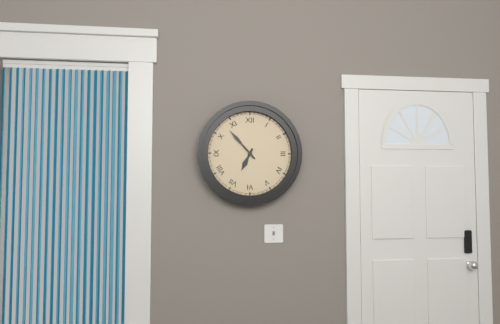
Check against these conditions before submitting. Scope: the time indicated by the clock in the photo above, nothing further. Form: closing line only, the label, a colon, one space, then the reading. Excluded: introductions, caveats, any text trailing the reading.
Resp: 6:53
